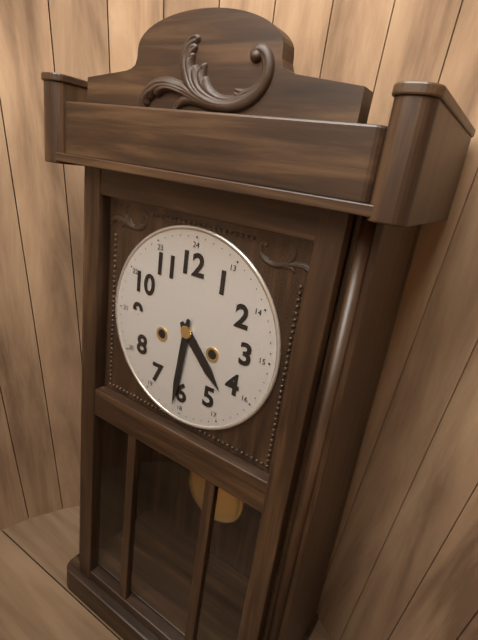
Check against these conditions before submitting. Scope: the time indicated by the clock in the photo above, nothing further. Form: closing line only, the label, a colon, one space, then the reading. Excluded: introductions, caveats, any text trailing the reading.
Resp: 4:31
